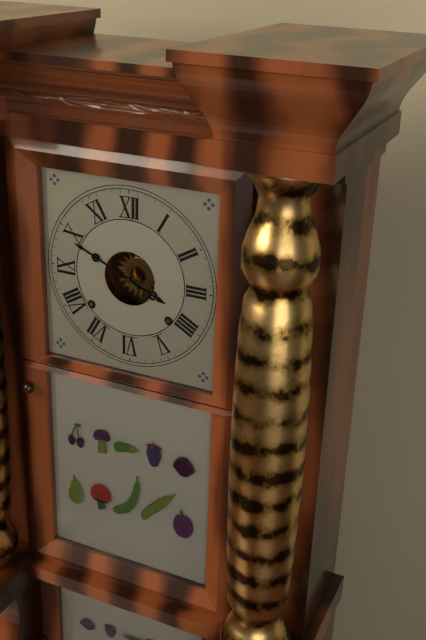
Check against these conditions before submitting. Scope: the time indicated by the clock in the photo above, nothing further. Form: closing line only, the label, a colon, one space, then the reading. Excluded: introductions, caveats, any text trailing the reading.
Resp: 3:49
